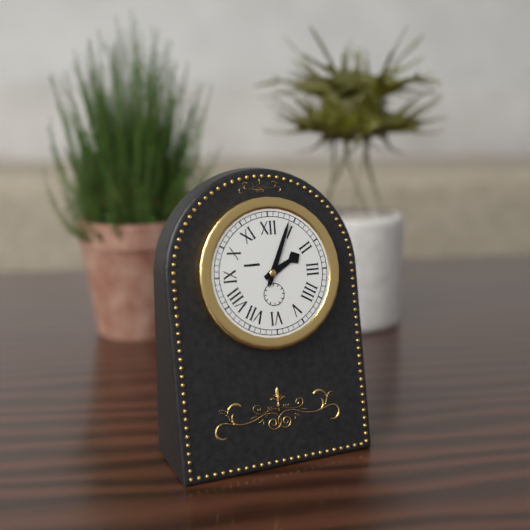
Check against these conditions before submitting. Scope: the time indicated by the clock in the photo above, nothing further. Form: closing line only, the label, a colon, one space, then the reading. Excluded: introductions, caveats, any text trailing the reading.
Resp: 2:04
